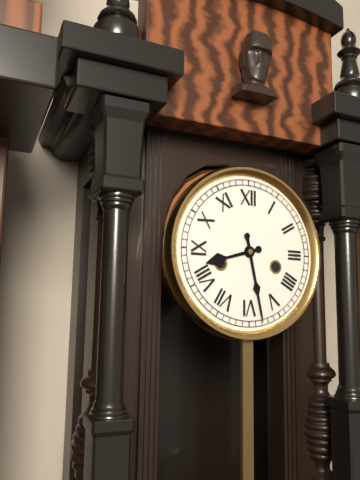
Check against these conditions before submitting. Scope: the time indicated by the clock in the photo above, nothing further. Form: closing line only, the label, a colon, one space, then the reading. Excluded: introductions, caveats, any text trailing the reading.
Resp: 8:28
